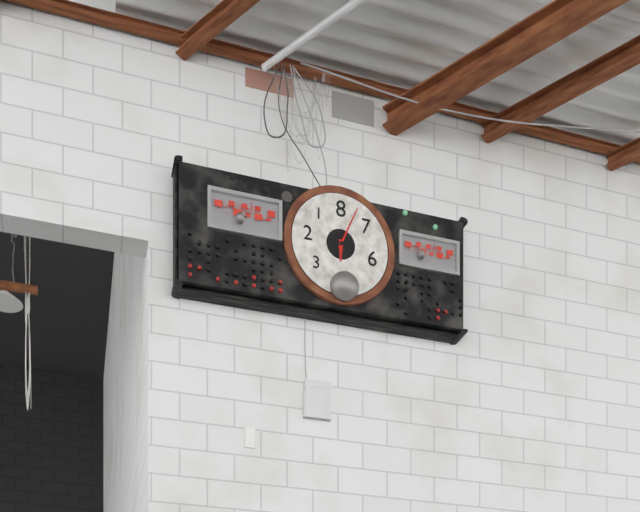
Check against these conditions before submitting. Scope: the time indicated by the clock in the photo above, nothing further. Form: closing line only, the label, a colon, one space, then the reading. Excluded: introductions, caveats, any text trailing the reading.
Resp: 6:04
